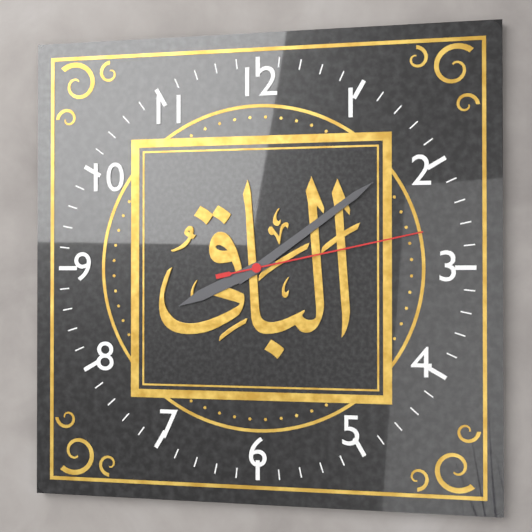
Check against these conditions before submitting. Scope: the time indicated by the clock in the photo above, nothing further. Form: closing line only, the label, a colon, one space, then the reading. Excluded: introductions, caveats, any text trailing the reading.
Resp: 8:09:13
